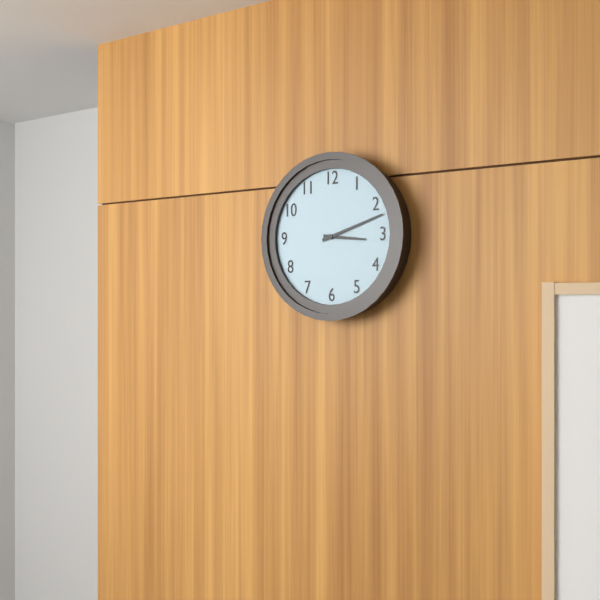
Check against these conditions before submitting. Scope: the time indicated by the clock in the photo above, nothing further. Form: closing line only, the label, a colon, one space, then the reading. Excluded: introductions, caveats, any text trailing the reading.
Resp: 3:12
